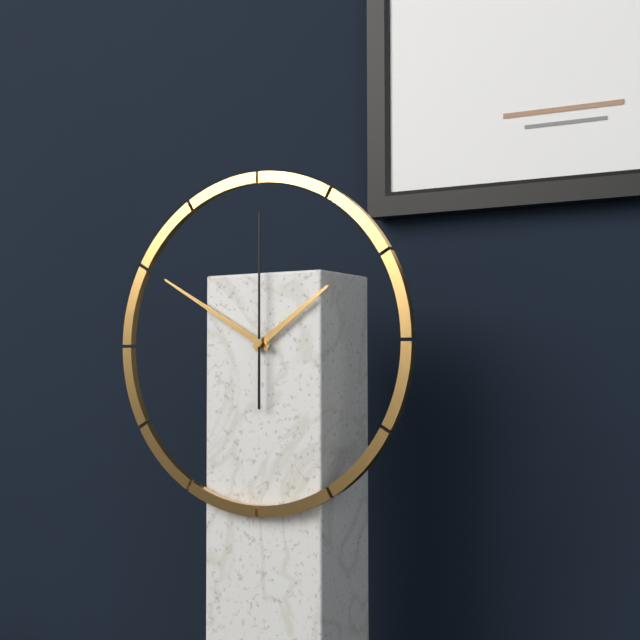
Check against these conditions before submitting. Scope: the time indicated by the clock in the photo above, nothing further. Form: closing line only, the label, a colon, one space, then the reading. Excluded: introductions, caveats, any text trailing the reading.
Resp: 1:50:00
